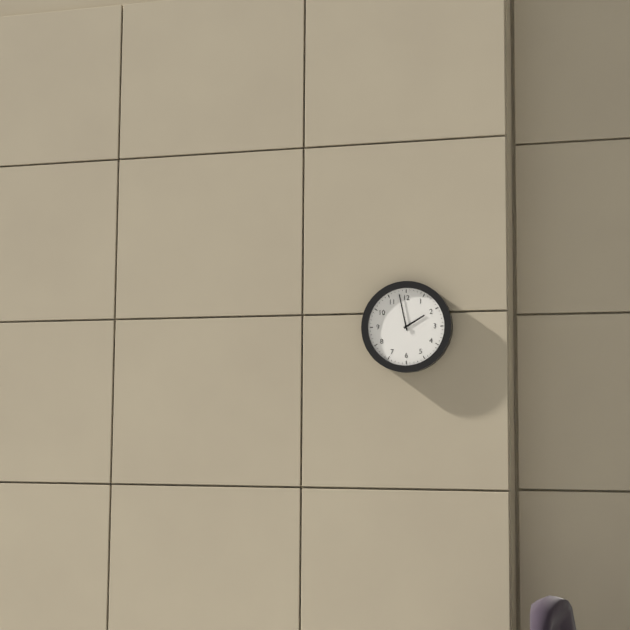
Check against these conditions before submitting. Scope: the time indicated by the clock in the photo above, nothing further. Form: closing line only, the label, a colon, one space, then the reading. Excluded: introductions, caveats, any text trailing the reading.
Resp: 1:58
